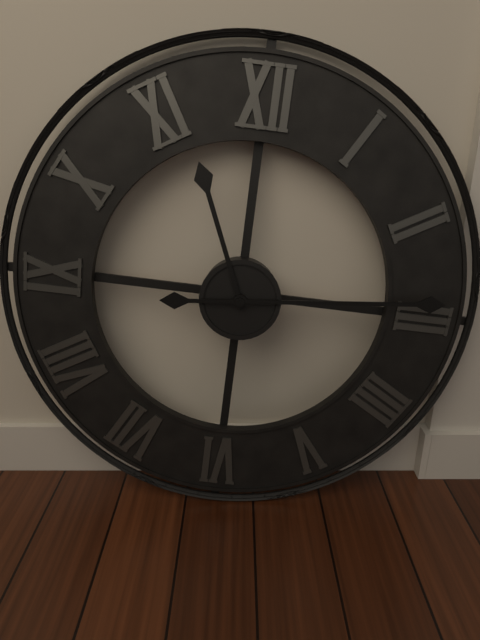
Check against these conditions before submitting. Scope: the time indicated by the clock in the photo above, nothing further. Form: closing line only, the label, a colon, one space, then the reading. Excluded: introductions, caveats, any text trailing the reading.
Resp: 11:14
